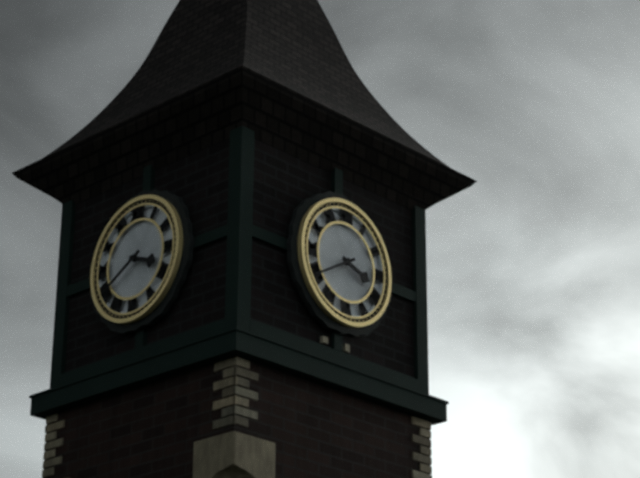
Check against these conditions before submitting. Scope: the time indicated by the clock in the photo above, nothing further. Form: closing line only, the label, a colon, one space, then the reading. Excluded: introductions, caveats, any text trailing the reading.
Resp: 3:40
